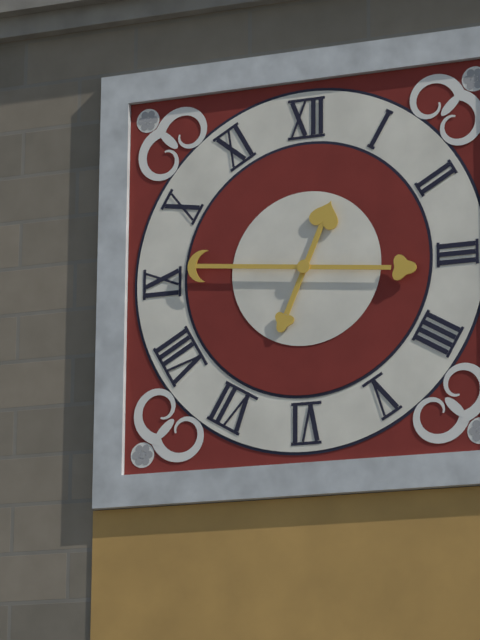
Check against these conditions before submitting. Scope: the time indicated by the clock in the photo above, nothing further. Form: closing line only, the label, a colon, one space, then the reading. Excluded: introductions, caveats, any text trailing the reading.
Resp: 12:46
